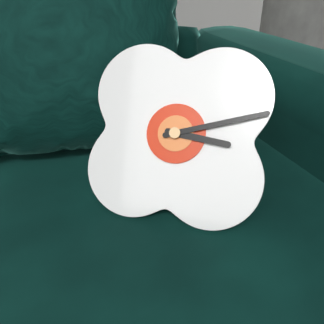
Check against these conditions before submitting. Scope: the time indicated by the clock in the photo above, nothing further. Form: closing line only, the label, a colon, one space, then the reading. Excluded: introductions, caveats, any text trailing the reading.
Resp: 3:12
